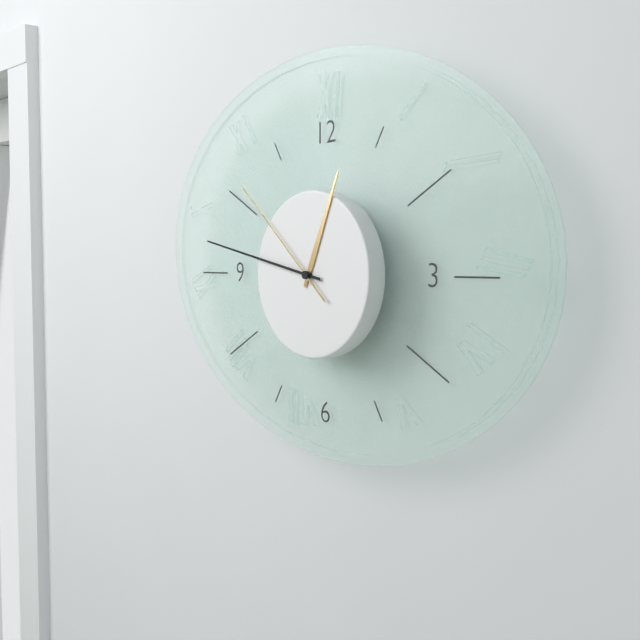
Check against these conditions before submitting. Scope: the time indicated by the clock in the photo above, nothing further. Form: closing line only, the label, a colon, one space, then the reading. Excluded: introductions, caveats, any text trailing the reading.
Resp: 12:47:52
